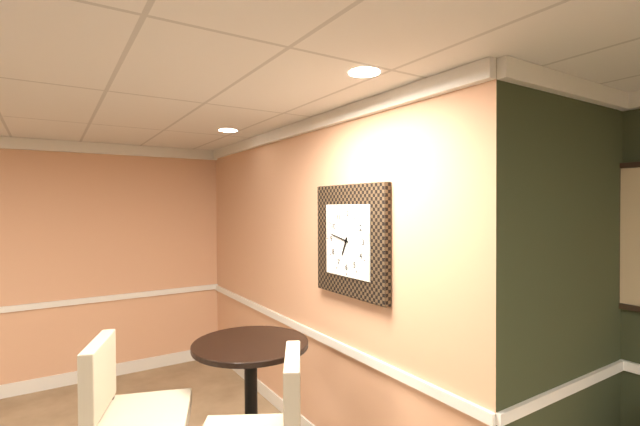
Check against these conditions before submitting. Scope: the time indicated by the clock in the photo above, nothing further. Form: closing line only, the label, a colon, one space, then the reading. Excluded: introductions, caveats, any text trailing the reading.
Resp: 6:47
